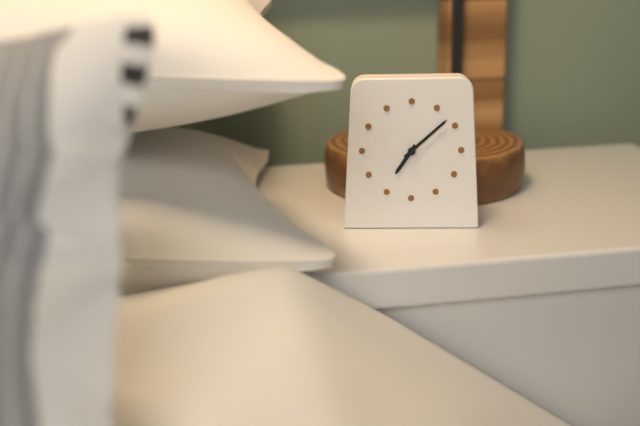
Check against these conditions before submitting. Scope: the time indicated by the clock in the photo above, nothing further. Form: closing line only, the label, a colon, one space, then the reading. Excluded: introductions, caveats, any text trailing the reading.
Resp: 7:08
